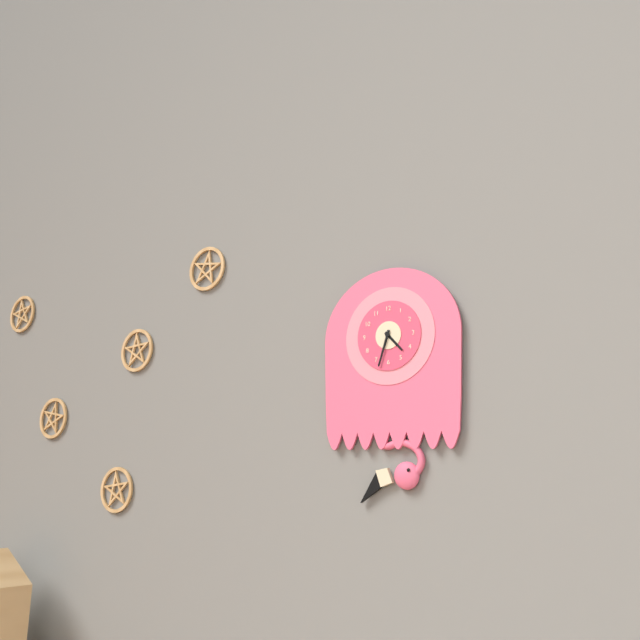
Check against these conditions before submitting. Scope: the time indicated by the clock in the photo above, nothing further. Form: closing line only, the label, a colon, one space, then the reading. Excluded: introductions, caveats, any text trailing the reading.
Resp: 4:33
